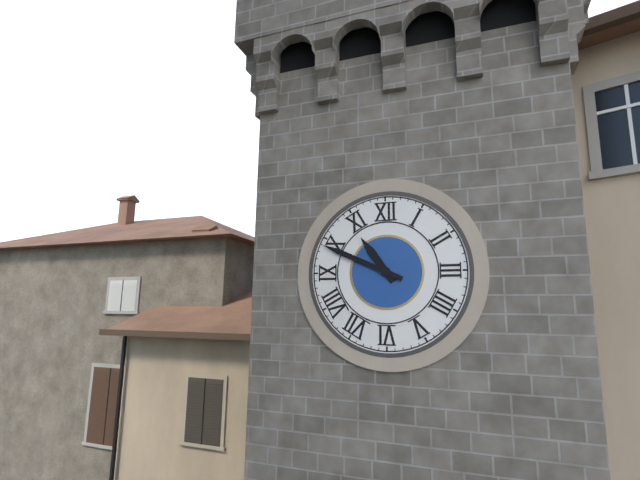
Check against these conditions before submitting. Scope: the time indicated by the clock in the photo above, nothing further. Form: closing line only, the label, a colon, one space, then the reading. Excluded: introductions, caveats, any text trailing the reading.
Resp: 10:49
